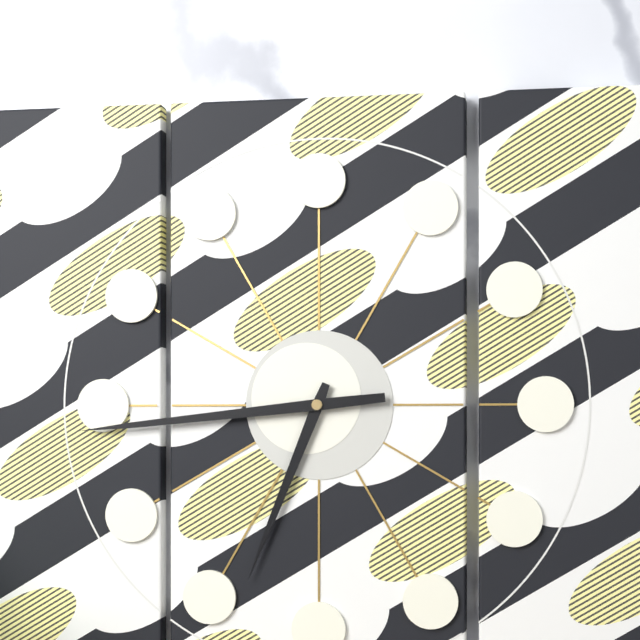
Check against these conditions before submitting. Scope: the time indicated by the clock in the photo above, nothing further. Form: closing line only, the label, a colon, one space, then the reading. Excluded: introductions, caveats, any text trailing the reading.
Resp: 6:44
